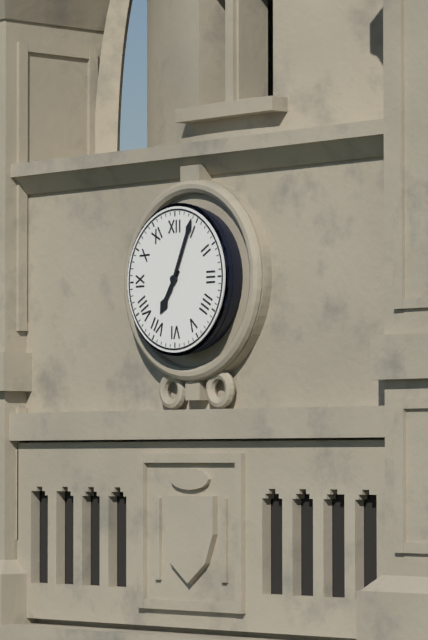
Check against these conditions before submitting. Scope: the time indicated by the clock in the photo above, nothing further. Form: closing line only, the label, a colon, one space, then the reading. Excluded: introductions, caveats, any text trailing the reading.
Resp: 7:04
